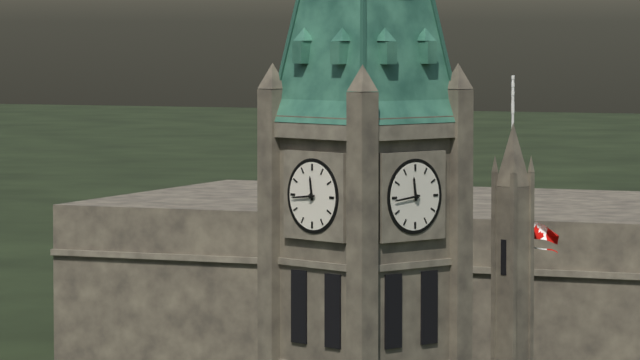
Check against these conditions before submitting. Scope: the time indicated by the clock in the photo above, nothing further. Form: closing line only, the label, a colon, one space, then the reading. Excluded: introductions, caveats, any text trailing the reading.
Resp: 11:44
